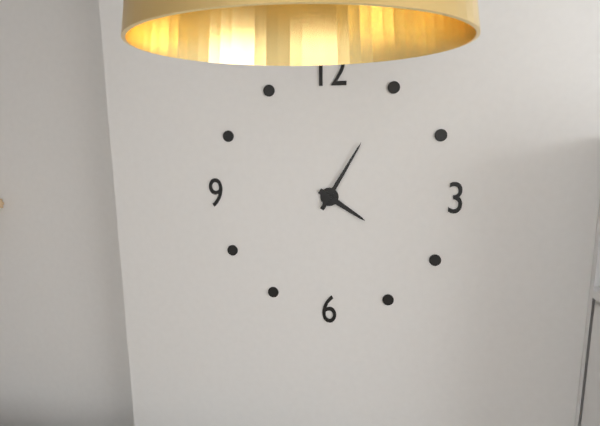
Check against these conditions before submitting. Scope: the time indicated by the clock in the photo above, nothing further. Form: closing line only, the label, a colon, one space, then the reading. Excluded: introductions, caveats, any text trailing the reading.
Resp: 4:05
